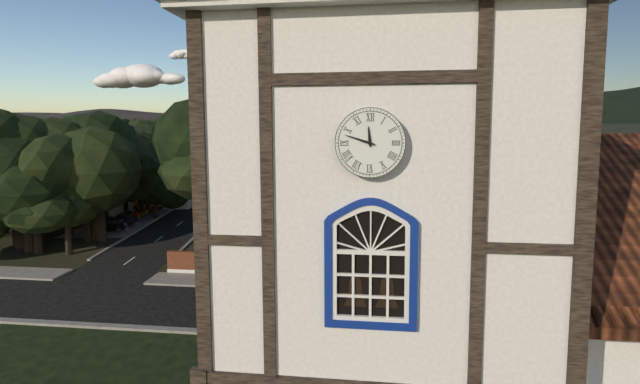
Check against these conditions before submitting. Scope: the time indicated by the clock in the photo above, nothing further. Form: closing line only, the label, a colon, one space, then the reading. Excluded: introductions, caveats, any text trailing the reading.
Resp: 11:48
